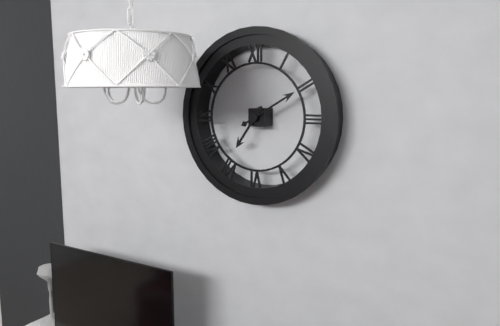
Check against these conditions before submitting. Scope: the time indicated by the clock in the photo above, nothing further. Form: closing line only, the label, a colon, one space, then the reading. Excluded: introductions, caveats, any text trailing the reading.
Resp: 7:10
